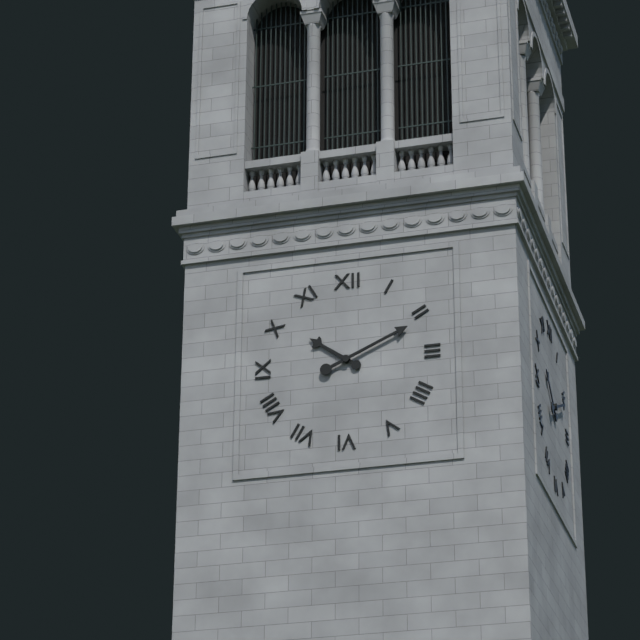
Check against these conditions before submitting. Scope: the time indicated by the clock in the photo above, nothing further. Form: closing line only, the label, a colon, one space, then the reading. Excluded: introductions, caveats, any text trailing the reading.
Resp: 10:11
